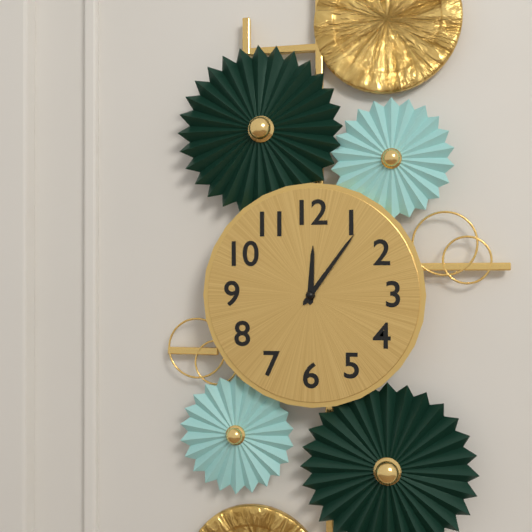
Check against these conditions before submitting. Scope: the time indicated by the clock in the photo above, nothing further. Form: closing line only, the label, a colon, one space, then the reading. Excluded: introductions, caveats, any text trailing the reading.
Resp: 12:06
